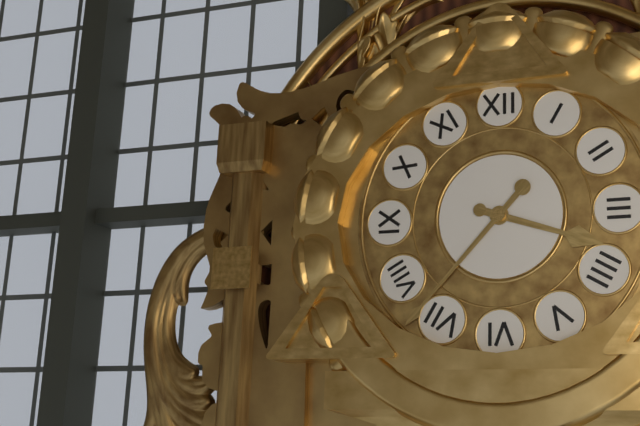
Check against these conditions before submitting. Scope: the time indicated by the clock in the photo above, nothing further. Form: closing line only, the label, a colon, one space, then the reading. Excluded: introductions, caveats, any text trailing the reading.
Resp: 3:37
